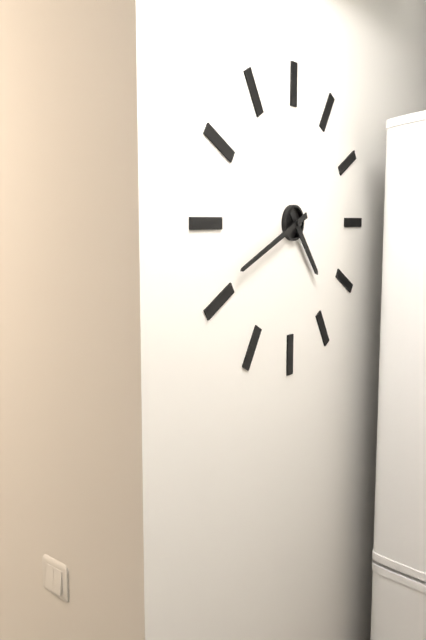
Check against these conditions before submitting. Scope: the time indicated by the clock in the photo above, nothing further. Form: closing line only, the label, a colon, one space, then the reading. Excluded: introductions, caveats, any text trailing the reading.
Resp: 4:41
